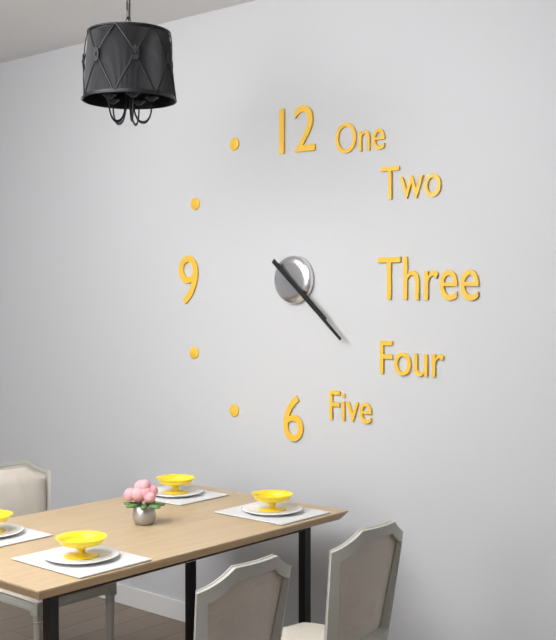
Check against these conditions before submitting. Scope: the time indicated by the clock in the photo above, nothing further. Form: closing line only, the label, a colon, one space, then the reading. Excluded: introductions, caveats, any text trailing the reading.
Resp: 4:22
